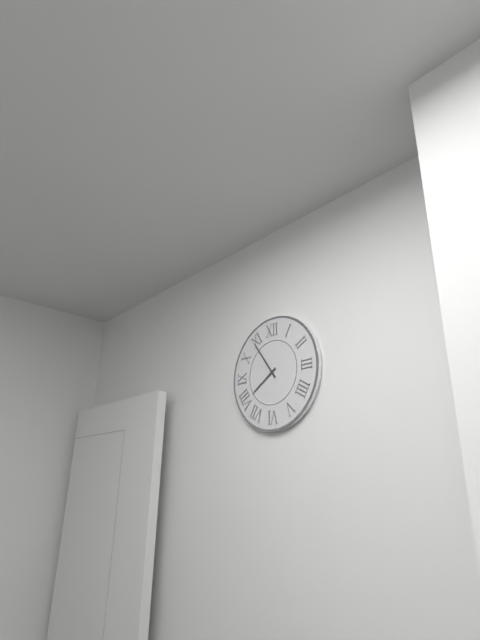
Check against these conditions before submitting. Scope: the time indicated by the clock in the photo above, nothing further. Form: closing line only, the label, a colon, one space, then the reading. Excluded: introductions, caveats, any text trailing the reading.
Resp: 7:54
